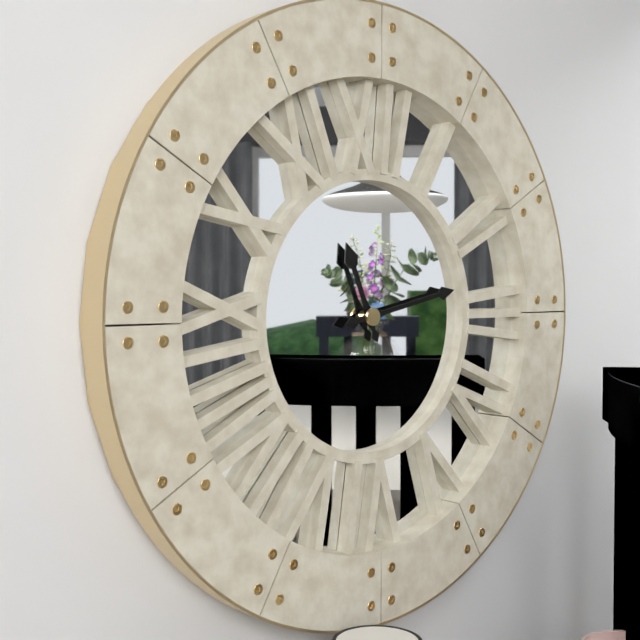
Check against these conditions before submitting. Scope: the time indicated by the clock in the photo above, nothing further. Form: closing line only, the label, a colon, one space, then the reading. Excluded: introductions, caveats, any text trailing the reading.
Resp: 11:13
